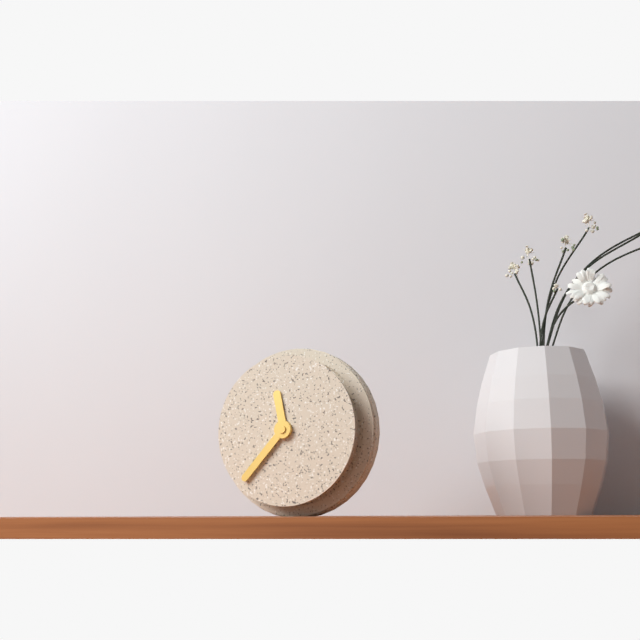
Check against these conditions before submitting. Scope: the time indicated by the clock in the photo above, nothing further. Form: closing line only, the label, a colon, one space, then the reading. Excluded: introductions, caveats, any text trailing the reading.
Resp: 11:37
